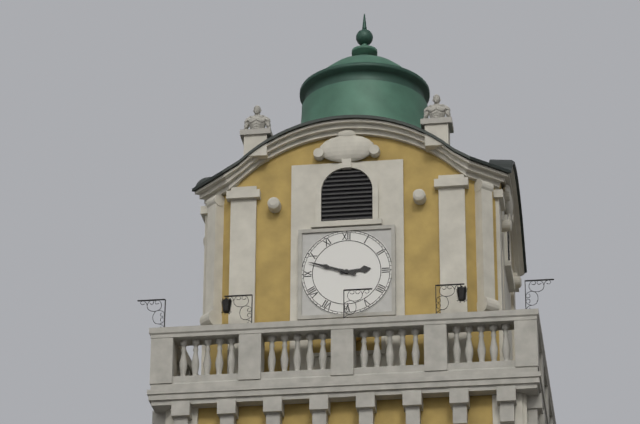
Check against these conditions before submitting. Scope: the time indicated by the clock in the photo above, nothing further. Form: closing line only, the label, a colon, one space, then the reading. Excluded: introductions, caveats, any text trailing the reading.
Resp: 2:48
